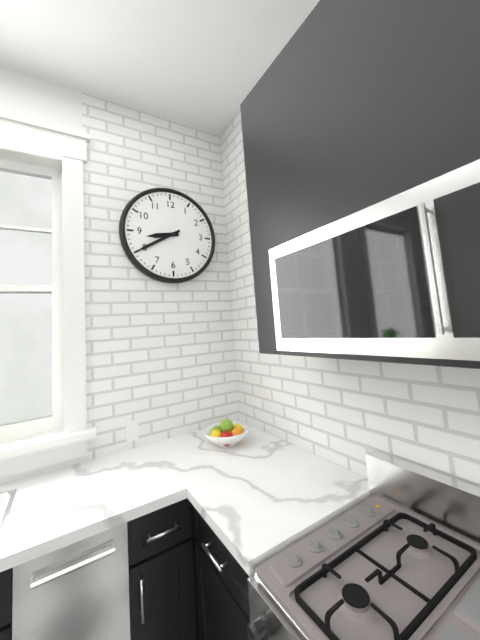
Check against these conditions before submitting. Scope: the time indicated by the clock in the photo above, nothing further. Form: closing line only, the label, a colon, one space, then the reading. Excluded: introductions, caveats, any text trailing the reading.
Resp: 8:40
